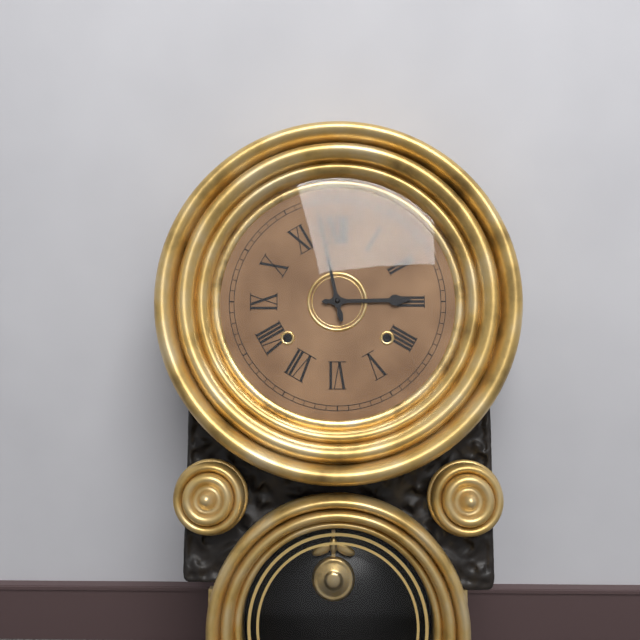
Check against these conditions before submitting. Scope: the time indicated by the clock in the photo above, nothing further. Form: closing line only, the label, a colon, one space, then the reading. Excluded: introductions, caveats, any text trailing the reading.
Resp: 2:58
